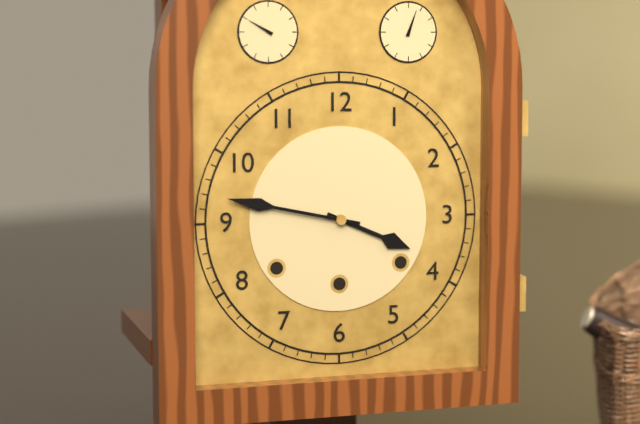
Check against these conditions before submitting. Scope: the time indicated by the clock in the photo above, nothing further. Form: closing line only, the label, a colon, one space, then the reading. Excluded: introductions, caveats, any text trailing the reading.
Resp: 3:47
